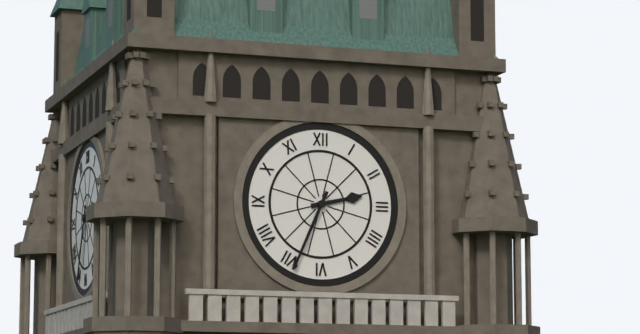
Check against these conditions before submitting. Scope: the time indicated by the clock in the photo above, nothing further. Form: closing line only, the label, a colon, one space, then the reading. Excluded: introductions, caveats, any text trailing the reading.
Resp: 2:34
